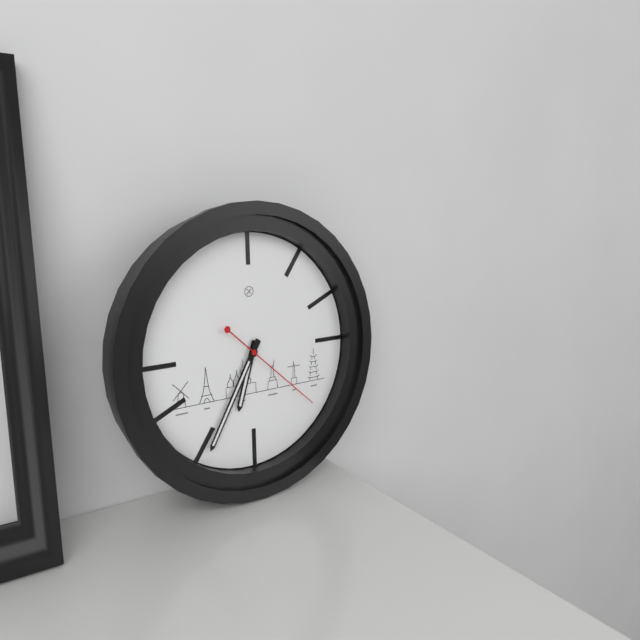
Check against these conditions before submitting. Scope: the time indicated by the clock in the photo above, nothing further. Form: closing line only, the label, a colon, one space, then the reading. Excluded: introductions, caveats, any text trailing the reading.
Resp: 6:35:22
